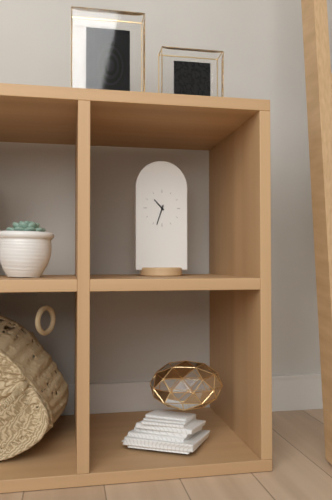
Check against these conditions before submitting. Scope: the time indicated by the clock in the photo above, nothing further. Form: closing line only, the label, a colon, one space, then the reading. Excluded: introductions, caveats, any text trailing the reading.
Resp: 10:33
